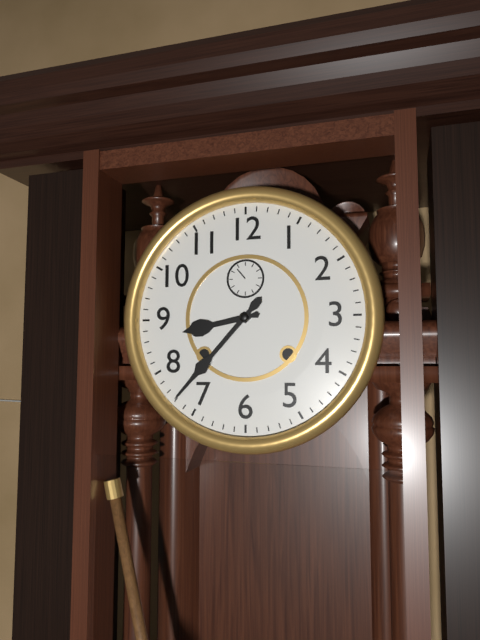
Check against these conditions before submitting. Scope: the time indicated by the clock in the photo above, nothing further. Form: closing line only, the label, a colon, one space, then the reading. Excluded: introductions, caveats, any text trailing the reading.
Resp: 8:37
